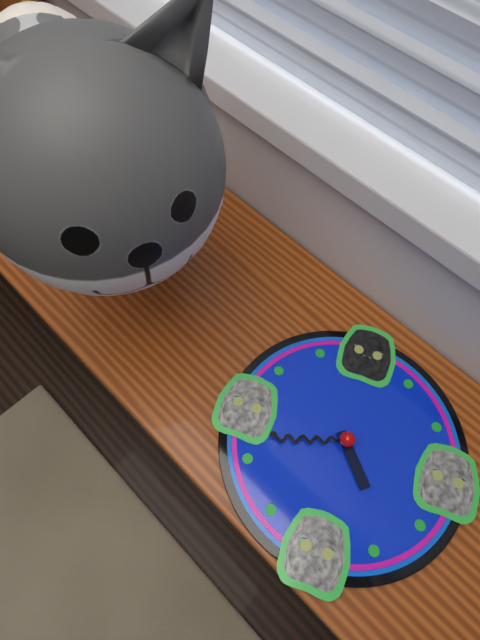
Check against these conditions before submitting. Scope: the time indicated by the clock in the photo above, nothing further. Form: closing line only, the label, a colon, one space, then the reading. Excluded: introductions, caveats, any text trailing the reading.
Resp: 4:42
